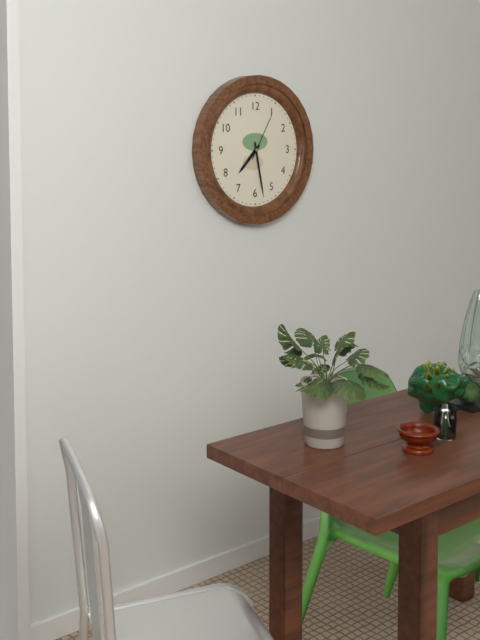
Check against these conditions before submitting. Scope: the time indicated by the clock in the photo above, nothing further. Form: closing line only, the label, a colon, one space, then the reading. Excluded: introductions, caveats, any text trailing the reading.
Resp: 7:28:05
